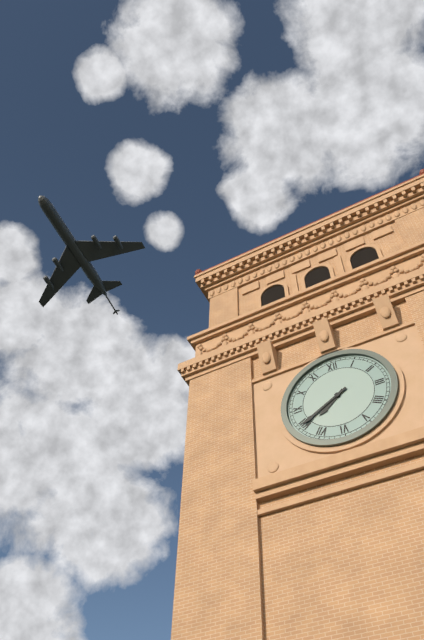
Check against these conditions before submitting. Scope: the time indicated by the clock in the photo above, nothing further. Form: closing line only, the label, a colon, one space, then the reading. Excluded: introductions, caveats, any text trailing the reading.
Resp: 7:40
